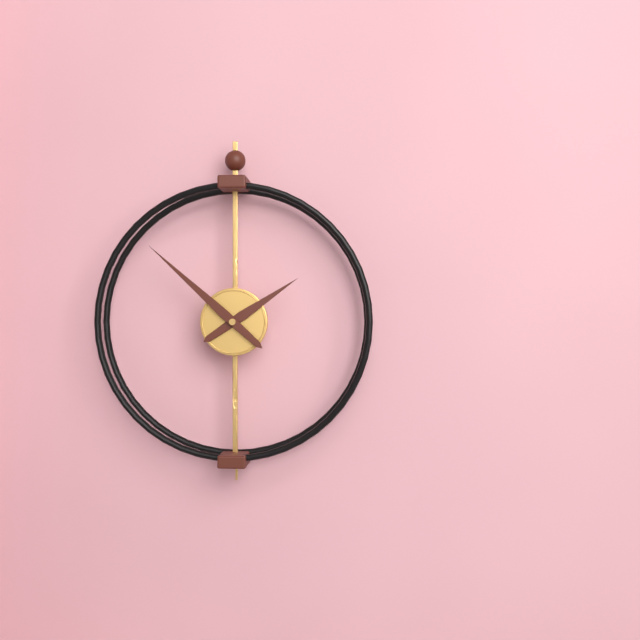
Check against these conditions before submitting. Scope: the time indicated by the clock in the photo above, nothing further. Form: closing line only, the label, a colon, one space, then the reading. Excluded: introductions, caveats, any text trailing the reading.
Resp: 1:52
